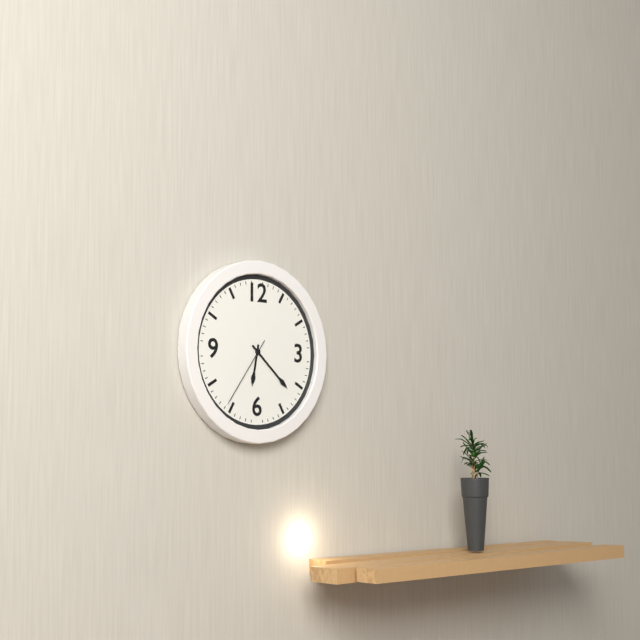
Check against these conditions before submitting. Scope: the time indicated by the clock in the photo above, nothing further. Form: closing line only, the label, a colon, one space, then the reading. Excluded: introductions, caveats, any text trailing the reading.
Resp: 6:22:36
